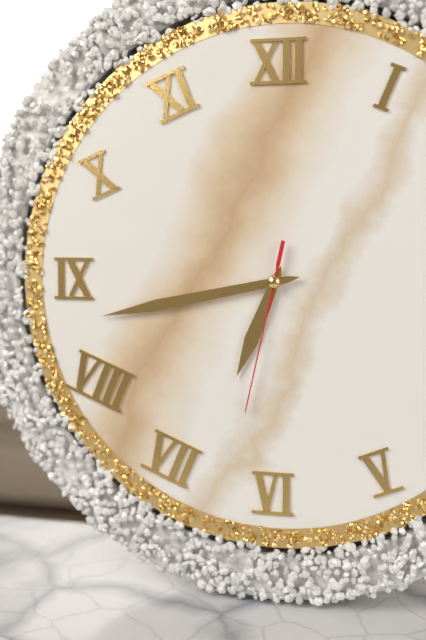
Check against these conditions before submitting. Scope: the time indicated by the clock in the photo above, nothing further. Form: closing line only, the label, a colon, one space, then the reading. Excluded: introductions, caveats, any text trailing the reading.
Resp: 6:43:32
